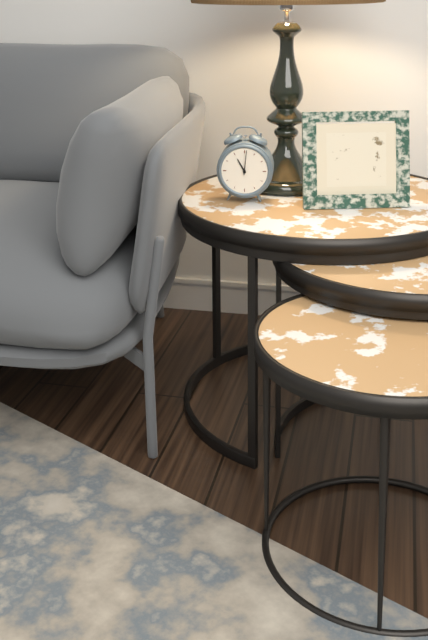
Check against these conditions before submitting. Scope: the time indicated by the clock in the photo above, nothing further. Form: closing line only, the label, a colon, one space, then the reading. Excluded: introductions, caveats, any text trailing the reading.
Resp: 11:01
